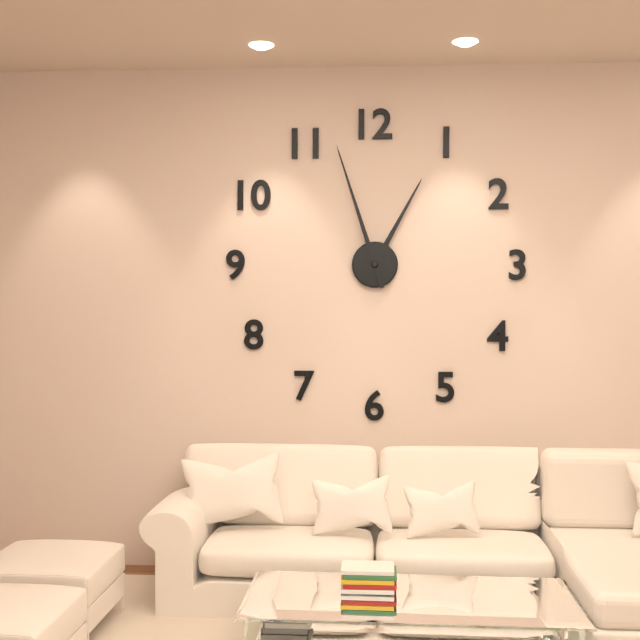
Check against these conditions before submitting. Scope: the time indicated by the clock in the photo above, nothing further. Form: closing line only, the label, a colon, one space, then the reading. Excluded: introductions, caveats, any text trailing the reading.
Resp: 12:57
